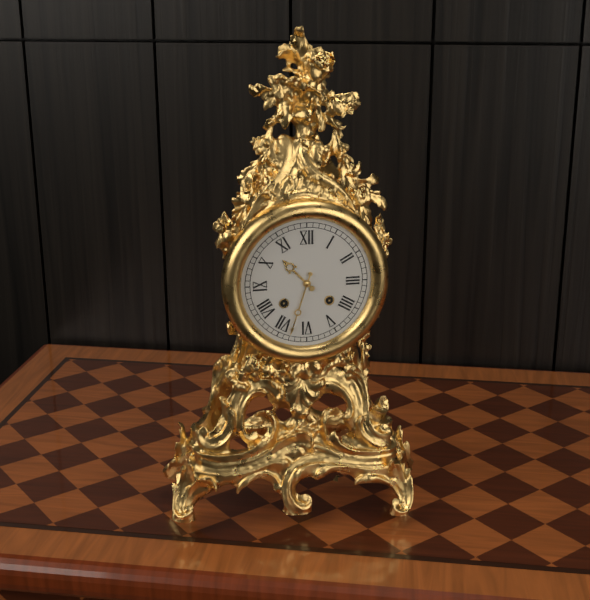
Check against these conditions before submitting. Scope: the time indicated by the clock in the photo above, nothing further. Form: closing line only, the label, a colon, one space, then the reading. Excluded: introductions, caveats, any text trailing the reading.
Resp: 10:33
